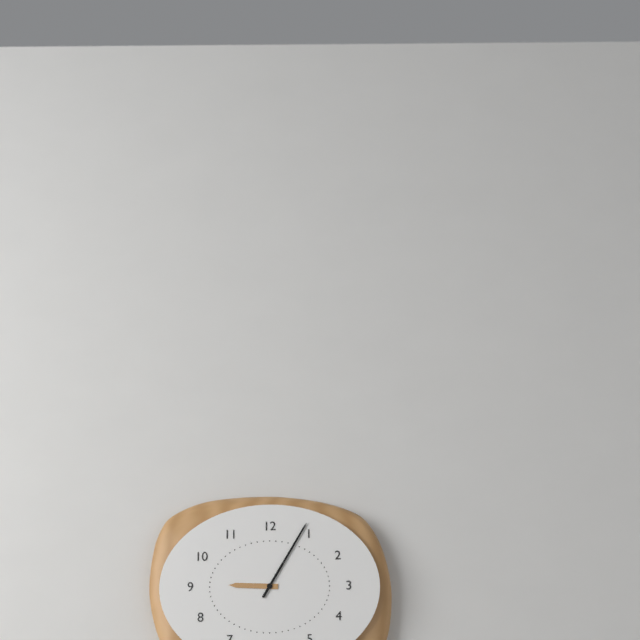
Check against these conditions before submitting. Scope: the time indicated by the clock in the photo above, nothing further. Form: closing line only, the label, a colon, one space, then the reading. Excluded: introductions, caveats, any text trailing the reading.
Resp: 9:05
